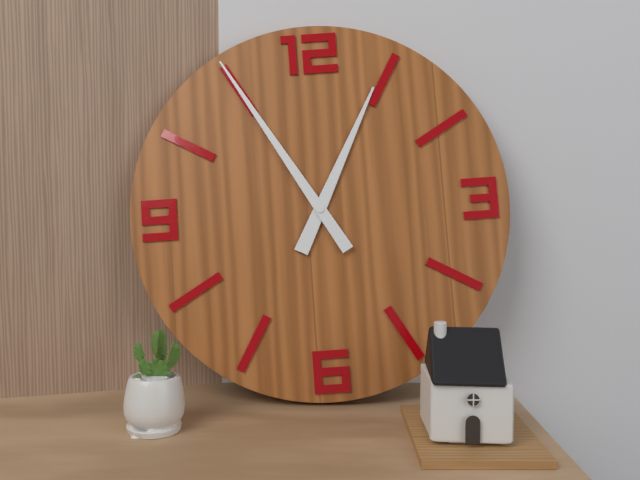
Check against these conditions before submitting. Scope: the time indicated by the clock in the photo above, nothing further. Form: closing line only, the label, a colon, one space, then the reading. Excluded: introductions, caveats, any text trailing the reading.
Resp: 12:55
